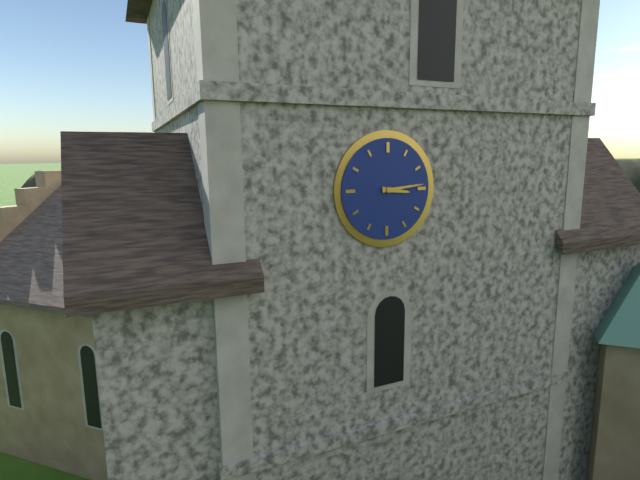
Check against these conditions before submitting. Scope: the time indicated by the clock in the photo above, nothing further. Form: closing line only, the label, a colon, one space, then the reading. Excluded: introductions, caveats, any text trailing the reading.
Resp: 3:14
